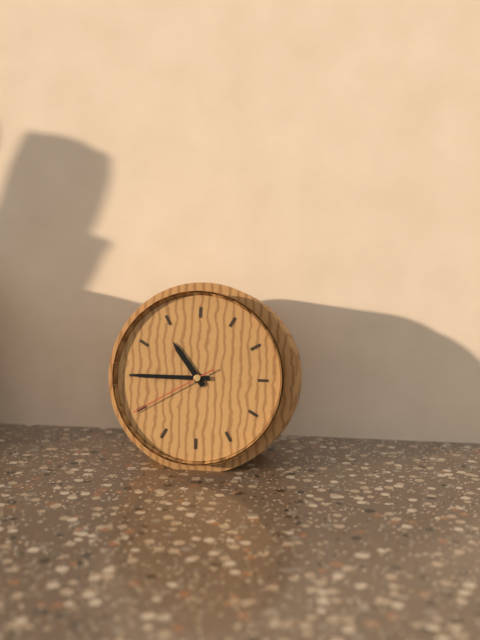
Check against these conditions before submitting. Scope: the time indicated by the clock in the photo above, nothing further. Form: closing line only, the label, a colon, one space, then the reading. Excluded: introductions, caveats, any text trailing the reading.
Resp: 10:45:40
